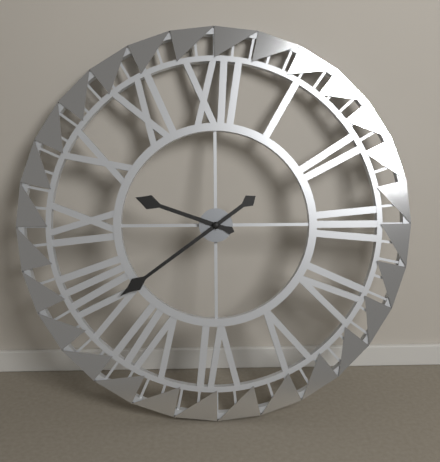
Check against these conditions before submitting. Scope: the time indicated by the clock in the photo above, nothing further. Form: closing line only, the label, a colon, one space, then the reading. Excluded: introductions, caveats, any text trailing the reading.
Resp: 9:39
